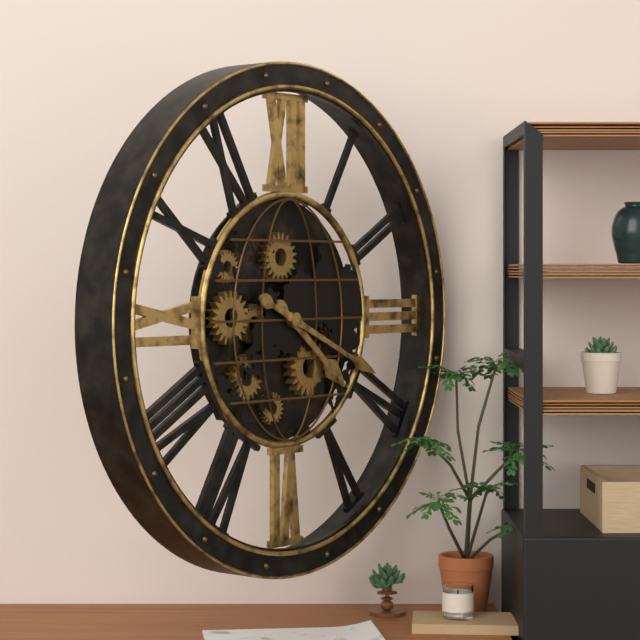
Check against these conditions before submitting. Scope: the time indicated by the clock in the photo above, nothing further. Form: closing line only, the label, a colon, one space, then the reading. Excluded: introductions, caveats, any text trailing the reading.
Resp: 4:19
